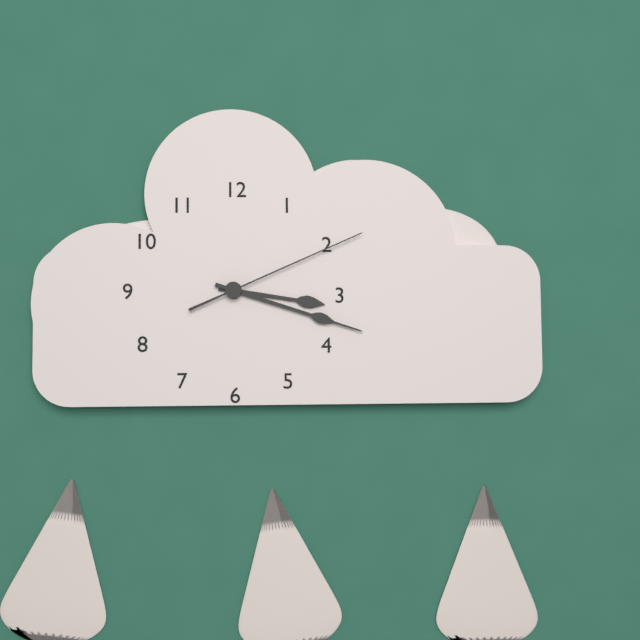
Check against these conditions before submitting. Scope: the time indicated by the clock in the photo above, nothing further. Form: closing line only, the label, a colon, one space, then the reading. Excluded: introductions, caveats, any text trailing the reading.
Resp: 3:18:11
